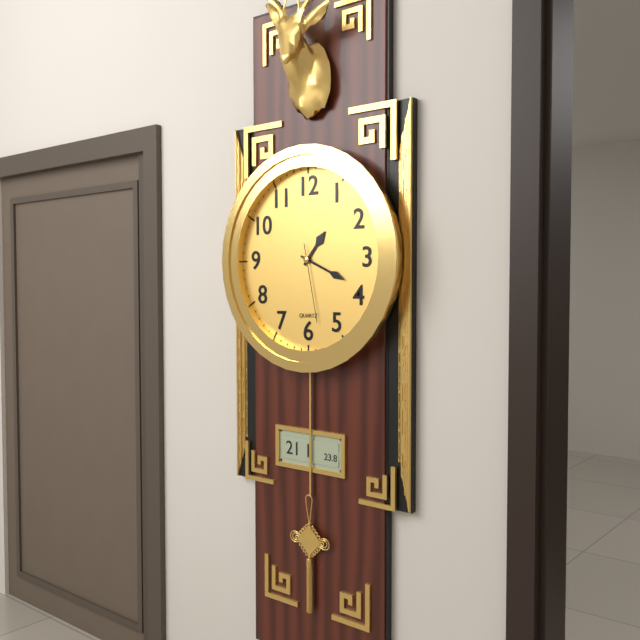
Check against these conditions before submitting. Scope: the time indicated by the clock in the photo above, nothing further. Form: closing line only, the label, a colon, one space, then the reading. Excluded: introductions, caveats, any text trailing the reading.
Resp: 1:19:28
